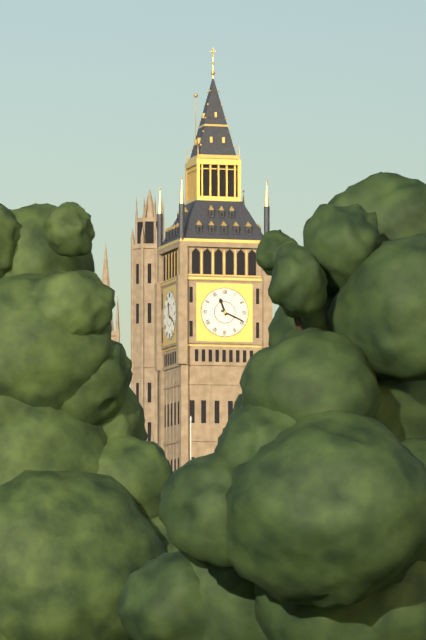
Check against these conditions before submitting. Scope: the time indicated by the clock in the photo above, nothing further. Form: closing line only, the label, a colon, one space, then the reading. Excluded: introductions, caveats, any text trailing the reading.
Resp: 11:19
